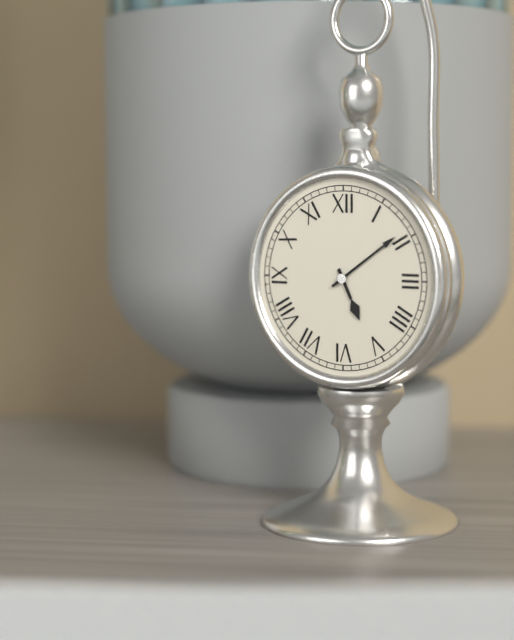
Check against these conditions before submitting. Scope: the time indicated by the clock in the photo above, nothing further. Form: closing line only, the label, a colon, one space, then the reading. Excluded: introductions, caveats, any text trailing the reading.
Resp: 5:09
